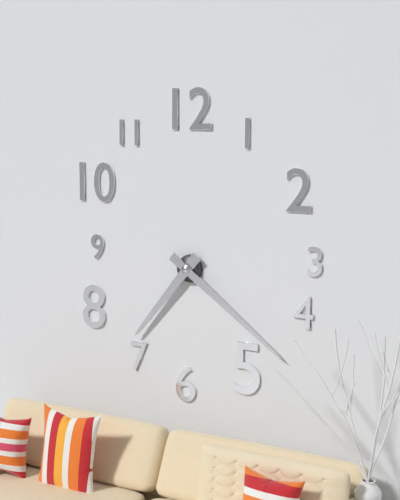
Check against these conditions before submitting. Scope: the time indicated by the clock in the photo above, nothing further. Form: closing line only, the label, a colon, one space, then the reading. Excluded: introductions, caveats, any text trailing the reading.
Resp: 7:21
